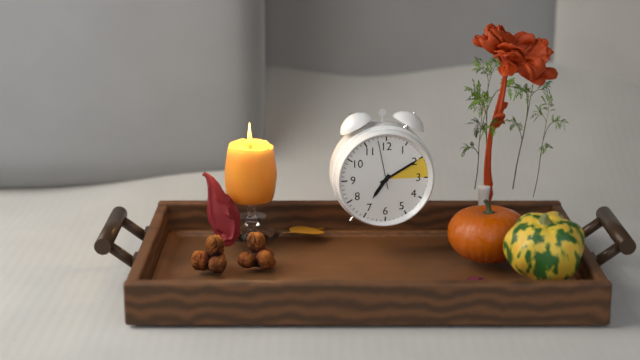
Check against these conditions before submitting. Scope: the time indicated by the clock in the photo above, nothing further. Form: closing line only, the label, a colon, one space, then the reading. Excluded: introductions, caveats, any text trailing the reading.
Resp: 7:10
